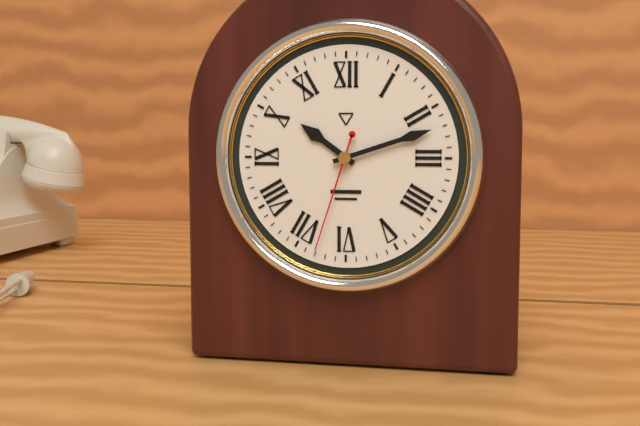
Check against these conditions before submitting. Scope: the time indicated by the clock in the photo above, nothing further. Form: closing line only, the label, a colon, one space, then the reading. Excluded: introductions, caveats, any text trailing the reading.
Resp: 10:12:33
